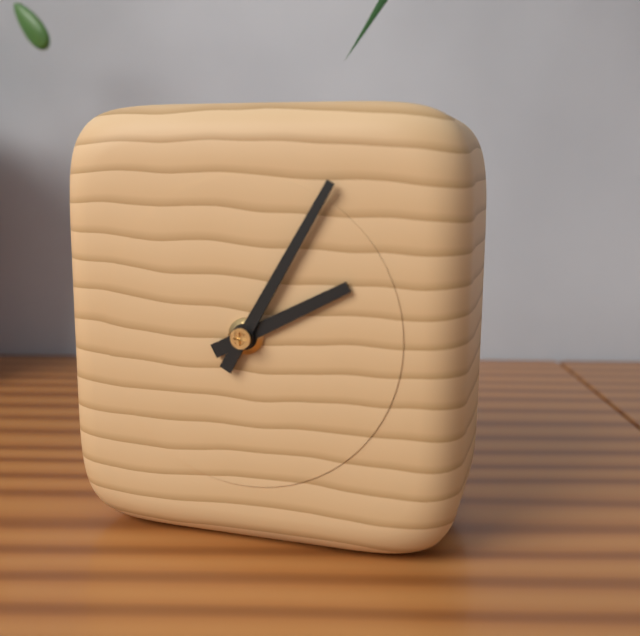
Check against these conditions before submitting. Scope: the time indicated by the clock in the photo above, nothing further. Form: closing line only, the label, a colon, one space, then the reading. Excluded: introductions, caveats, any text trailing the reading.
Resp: 2:05
